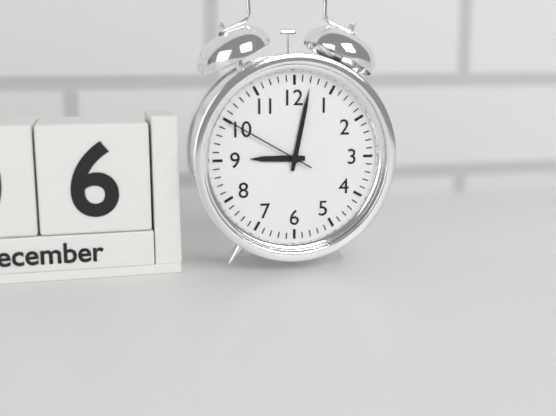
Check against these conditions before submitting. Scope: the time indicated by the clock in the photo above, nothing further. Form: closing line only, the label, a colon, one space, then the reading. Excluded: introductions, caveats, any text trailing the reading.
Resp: 9:02:50
